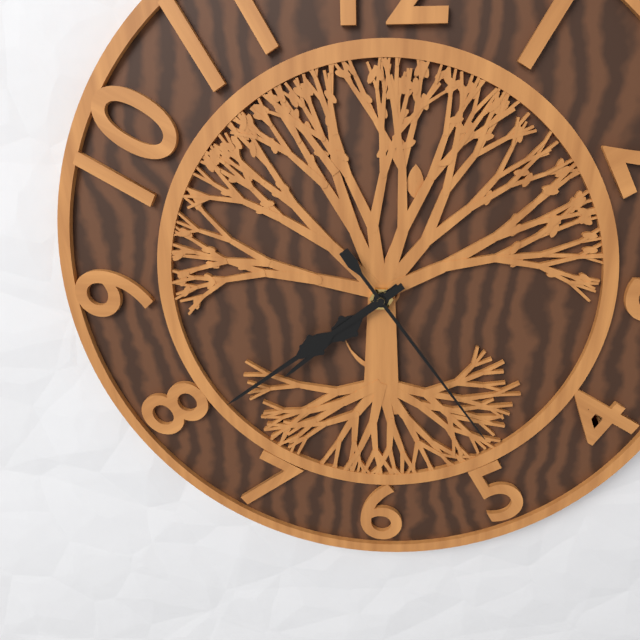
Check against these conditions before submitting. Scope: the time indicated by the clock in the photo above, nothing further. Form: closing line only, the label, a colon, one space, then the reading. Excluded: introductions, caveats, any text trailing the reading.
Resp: 7:39:24
